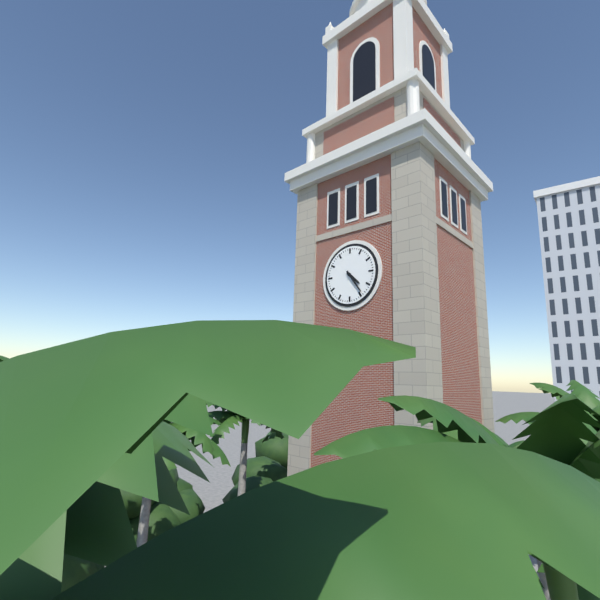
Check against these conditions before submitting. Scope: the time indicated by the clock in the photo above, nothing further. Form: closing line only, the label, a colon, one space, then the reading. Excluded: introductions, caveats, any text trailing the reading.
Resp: 4:24
